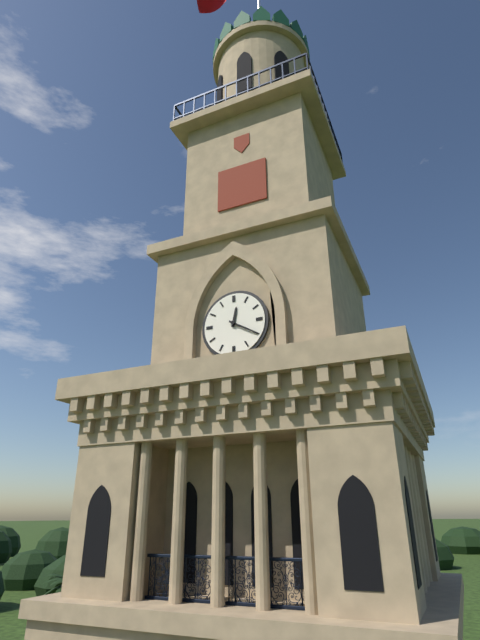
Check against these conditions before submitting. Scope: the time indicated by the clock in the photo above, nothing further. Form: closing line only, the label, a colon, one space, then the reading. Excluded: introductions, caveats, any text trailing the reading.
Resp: 12:20
